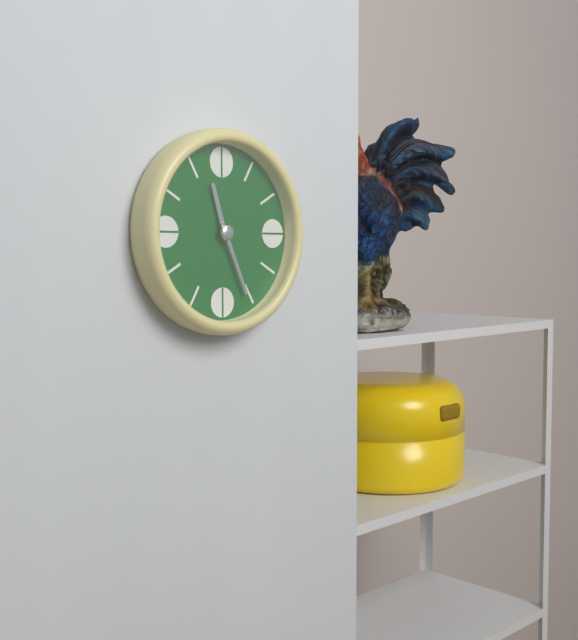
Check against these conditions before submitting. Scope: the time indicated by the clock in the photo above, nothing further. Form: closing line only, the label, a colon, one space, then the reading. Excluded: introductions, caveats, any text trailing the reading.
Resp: 11:26
